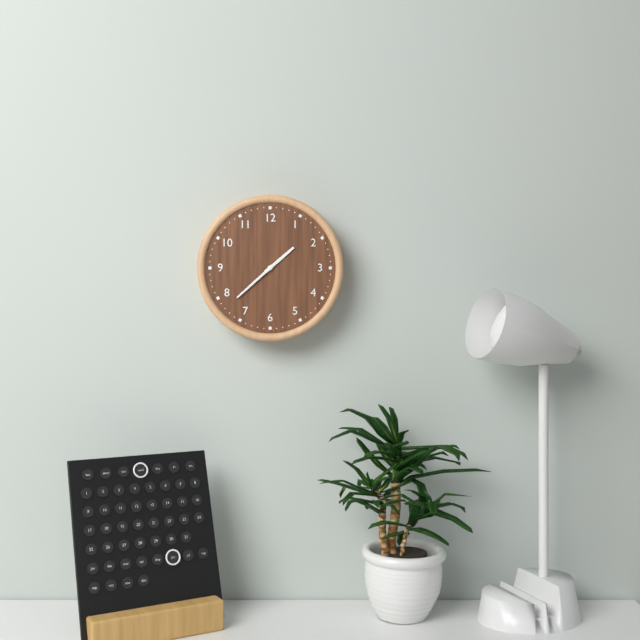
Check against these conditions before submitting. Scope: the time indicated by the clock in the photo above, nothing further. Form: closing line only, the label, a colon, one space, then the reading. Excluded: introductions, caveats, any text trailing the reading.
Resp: 1:38
